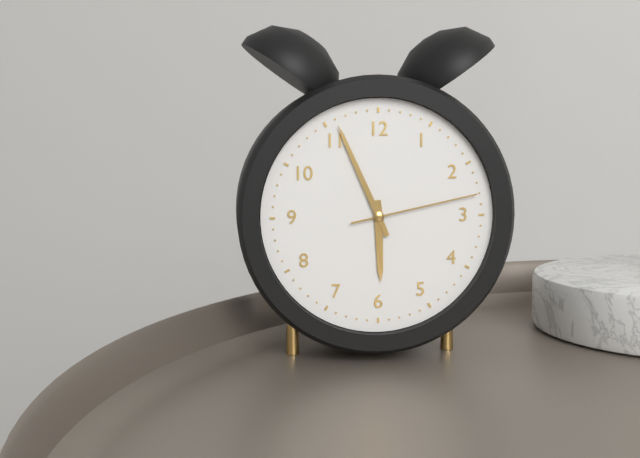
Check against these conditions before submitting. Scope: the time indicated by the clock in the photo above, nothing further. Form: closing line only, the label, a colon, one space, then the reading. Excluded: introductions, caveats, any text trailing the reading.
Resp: 5:56:13
